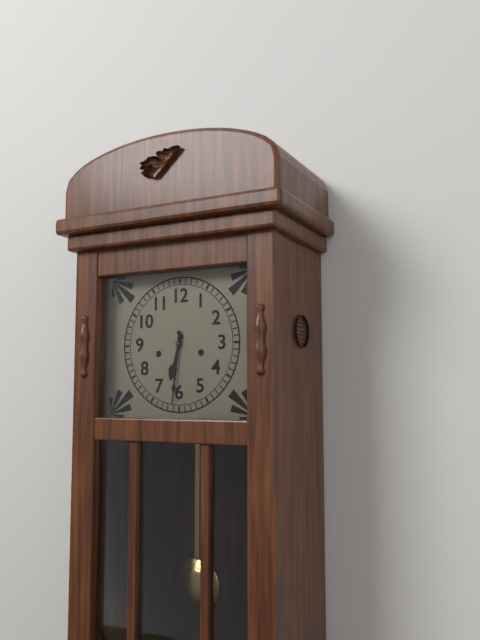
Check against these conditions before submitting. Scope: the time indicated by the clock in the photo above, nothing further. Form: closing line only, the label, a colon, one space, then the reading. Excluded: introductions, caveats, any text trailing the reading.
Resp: 6:31
